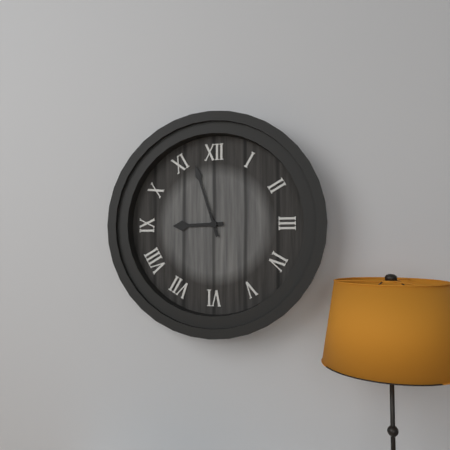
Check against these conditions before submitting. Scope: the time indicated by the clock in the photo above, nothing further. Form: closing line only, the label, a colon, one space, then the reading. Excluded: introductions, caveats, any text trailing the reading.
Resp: 8:57
